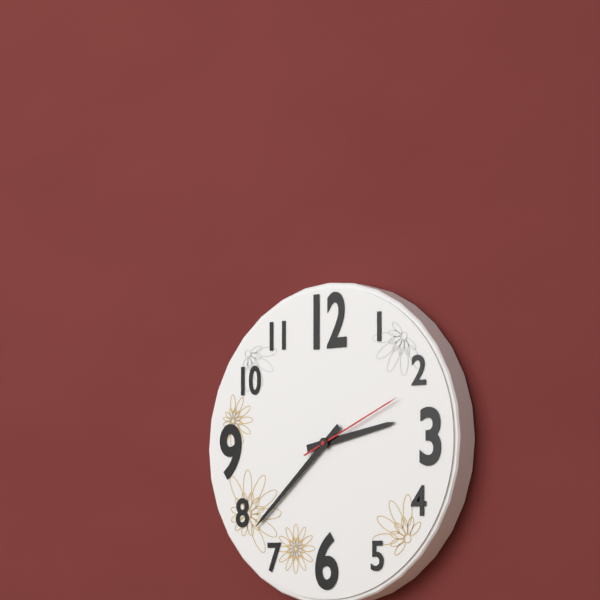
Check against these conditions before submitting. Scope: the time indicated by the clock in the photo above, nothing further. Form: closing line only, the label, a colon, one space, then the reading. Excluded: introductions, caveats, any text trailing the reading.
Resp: 2:38:11
